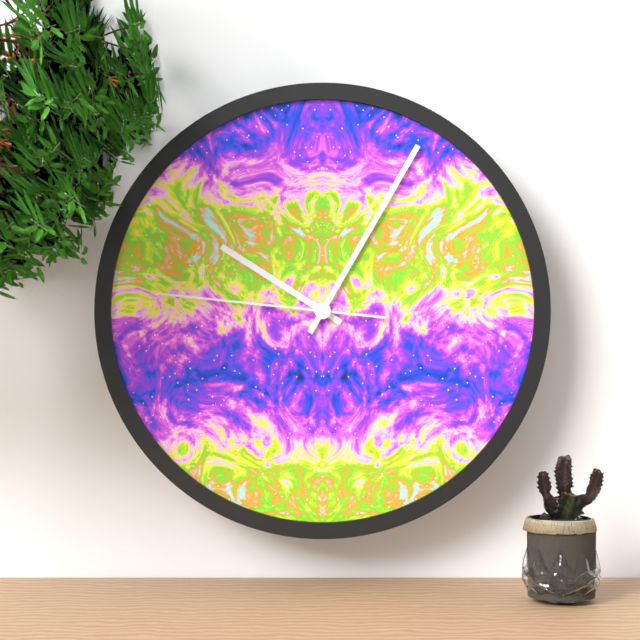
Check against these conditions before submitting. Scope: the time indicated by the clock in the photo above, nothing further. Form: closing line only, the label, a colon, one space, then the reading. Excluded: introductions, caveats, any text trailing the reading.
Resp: 10:05:46
